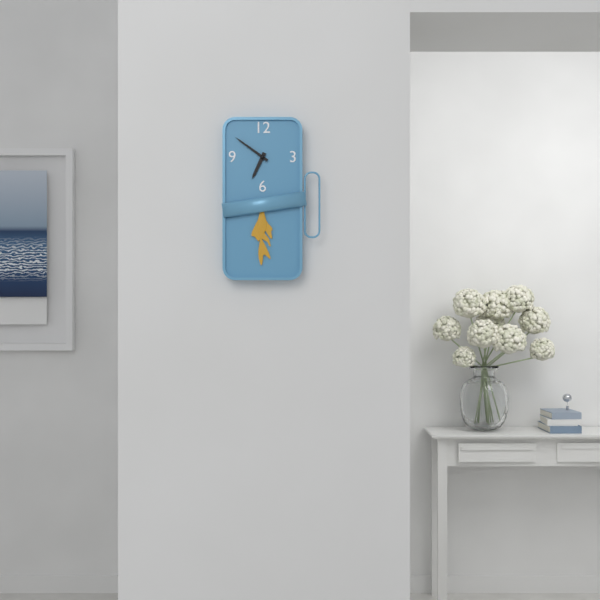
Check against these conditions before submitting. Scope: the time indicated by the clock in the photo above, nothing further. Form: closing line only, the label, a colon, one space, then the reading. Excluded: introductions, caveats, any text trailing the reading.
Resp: 6:51
